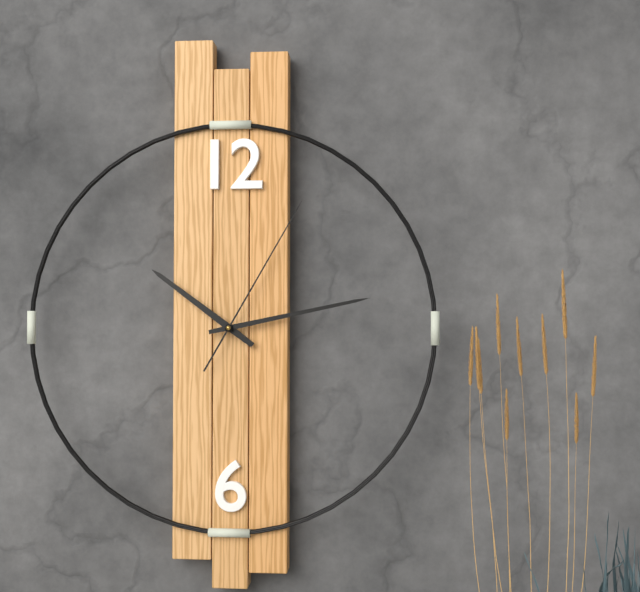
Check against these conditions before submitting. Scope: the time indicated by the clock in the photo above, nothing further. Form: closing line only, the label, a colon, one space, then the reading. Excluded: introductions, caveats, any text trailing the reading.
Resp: 10:13:05
